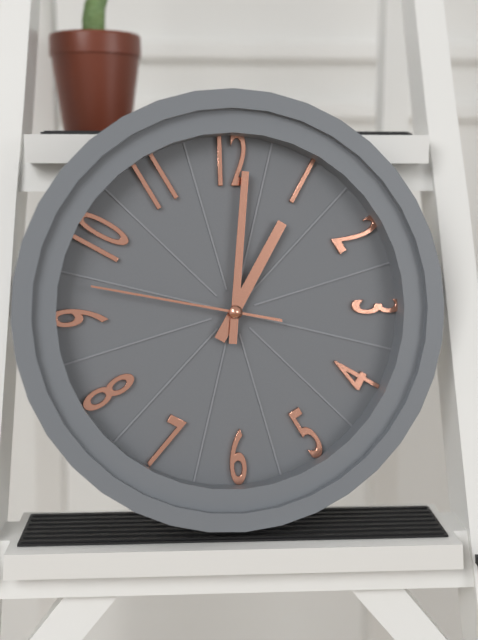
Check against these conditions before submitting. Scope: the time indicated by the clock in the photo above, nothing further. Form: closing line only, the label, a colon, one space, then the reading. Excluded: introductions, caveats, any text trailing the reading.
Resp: 1:01:47
